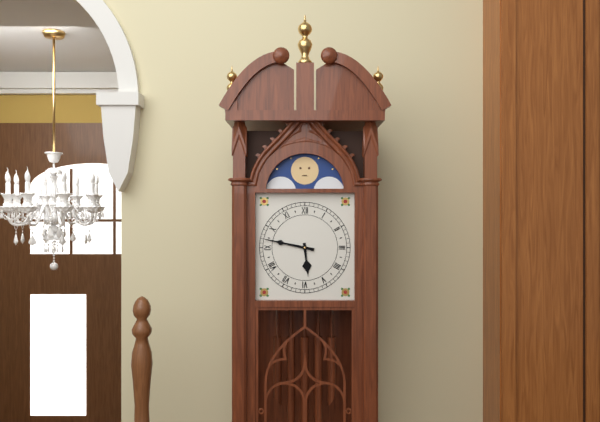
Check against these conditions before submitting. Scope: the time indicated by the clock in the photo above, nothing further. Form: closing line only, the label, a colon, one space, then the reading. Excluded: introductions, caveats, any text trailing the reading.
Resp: 5:47
